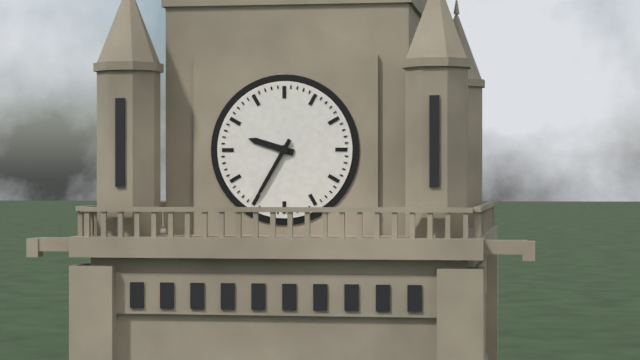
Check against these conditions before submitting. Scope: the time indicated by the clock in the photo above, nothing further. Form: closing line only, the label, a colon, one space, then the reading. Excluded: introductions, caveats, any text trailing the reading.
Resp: 9:35
